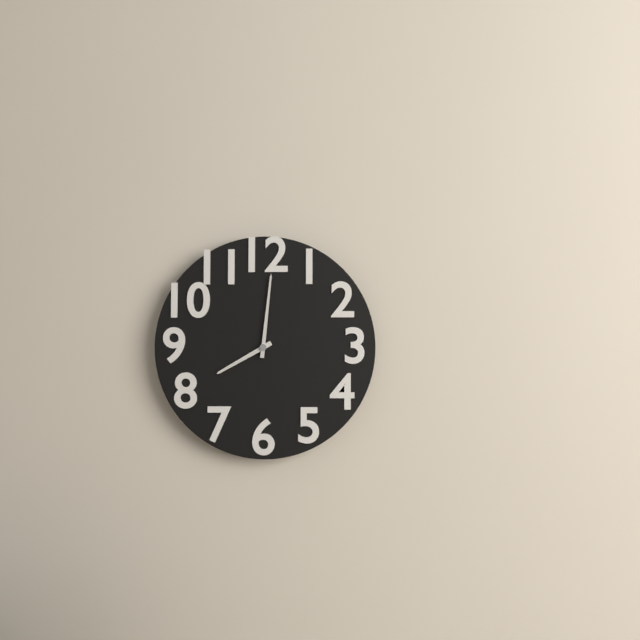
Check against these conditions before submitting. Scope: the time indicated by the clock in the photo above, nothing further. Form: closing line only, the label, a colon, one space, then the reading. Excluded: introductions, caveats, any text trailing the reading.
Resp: 8:01
